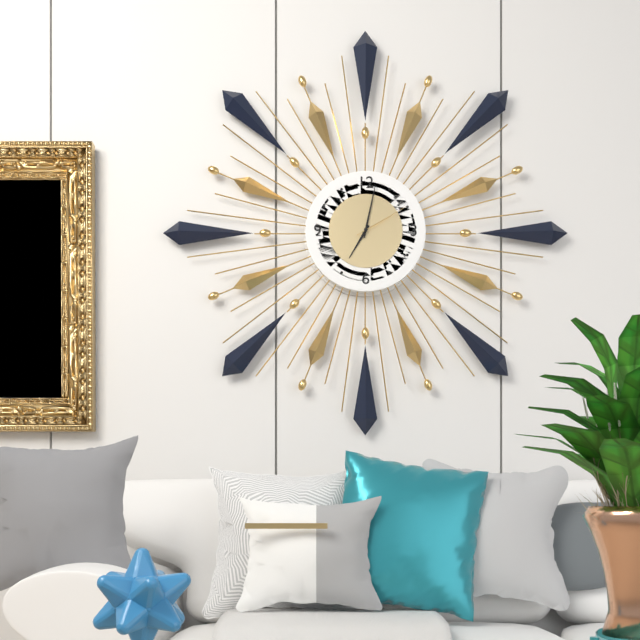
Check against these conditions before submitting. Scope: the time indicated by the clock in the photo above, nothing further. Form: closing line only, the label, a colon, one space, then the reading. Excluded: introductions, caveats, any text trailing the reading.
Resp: 7:02:10
